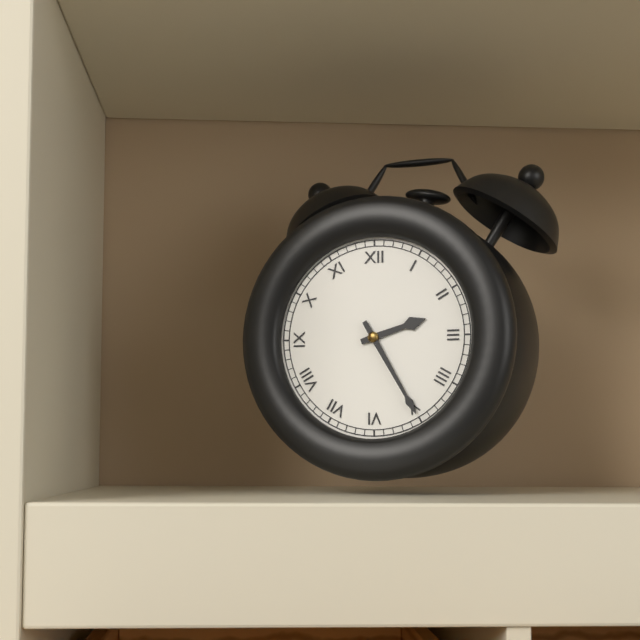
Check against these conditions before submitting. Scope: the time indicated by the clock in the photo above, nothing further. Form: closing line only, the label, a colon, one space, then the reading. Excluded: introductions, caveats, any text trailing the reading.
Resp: 2:25
